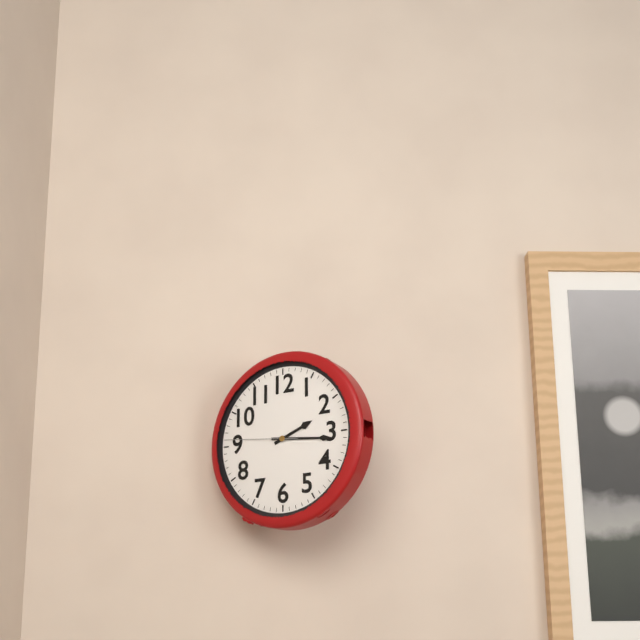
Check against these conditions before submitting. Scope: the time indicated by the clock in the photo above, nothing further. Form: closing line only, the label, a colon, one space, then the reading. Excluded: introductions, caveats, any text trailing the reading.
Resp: 2:16:46
